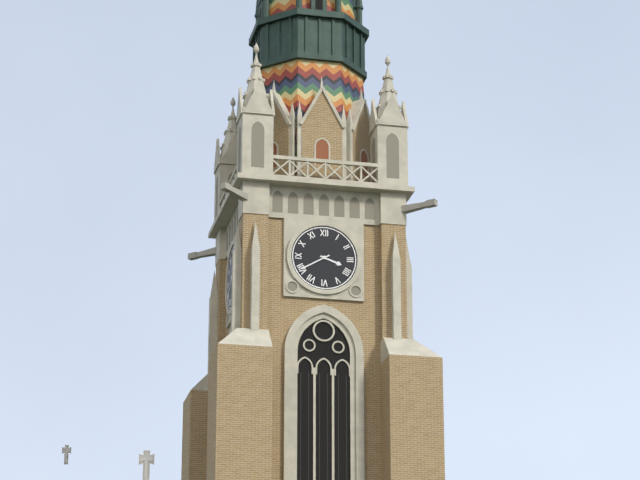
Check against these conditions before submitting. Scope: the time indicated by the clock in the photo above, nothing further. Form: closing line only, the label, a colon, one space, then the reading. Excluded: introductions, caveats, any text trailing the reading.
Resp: 3:40
